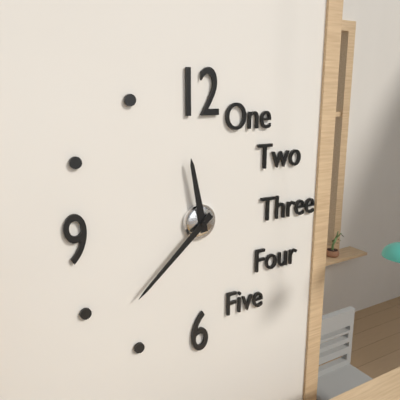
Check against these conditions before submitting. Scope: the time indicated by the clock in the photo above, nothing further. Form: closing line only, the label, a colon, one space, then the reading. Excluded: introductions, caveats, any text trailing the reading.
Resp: 11:38
